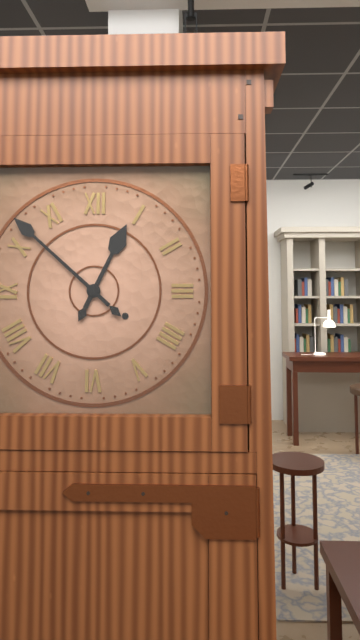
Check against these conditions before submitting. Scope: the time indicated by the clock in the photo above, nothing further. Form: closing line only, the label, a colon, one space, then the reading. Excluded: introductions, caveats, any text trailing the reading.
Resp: 12:52
